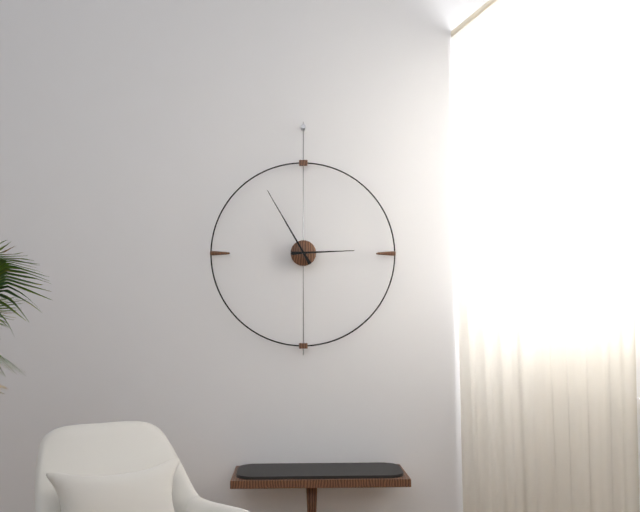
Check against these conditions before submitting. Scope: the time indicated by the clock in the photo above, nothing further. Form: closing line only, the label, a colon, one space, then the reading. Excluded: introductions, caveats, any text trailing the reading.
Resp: 2:55
